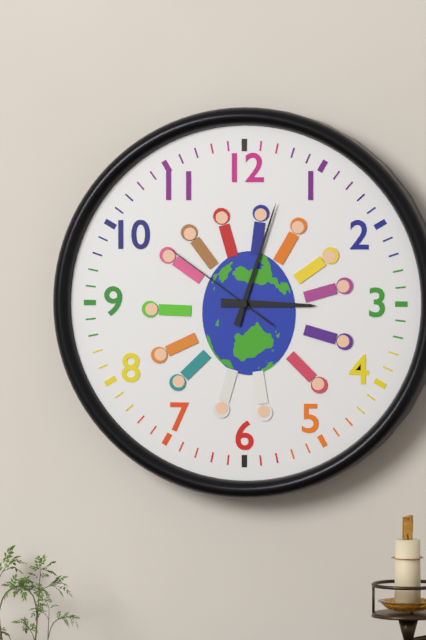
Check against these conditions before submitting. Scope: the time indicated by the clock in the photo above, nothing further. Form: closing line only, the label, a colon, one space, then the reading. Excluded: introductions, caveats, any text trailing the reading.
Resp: 3:03:51
